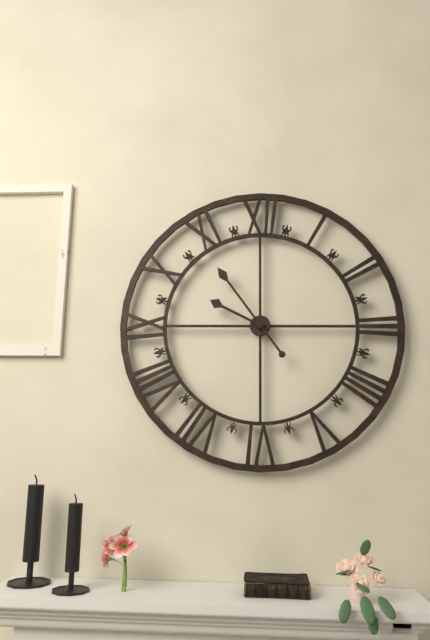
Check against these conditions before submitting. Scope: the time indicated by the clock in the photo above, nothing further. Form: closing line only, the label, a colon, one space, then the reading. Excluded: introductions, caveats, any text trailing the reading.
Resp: 9:54
